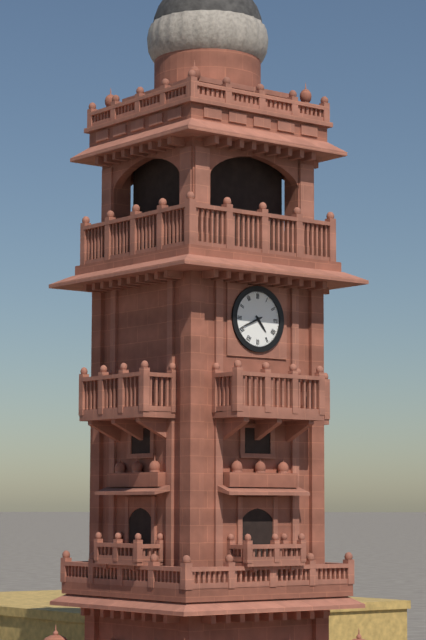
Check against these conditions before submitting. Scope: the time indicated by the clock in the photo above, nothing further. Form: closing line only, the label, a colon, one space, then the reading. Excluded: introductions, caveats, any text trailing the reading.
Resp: 4:41
